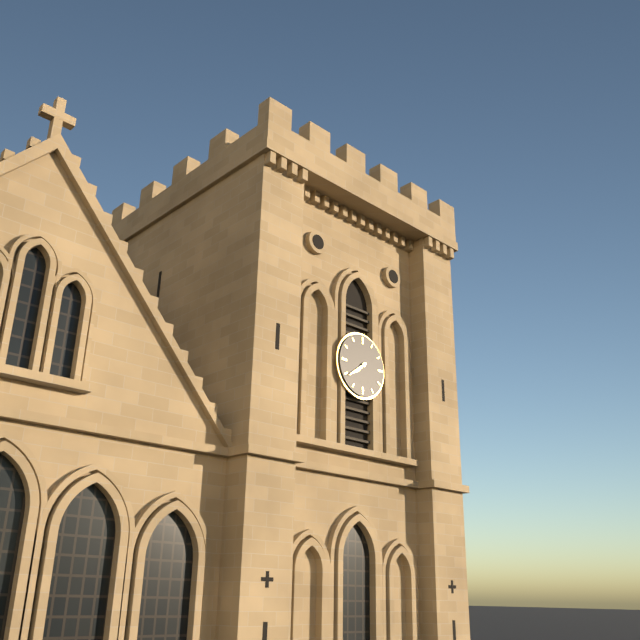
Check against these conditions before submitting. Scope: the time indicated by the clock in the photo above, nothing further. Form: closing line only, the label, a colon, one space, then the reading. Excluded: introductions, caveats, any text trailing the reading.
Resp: 7:39
